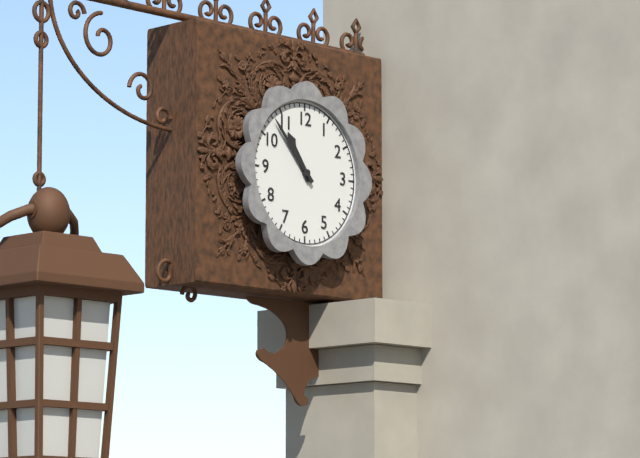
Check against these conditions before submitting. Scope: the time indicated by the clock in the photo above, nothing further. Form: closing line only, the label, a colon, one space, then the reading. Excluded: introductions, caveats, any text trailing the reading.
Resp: 10:53
